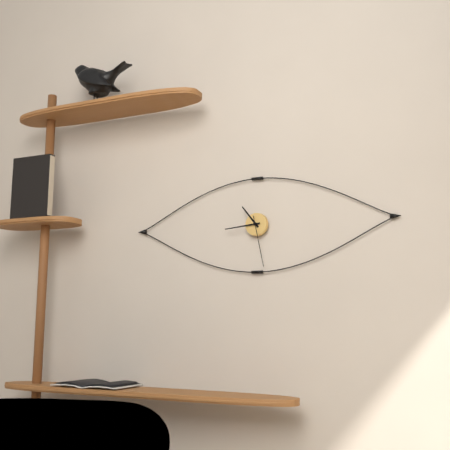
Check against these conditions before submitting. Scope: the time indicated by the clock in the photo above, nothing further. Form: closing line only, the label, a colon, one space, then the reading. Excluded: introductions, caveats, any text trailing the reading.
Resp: 10:44:28
